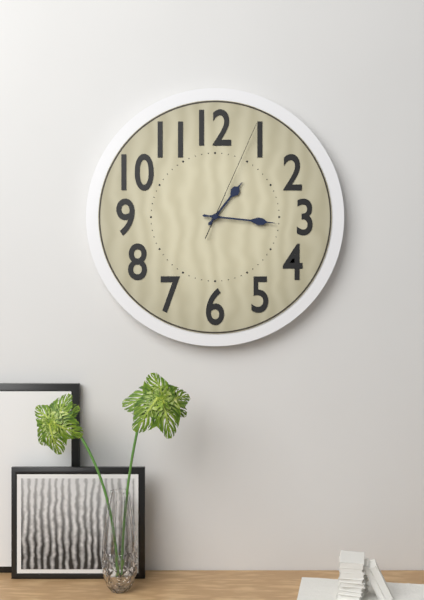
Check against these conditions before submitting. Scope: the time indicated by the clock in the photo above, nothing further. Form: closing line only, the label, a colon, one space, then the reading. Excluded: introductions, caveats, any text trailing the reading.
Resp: 1:16:04
